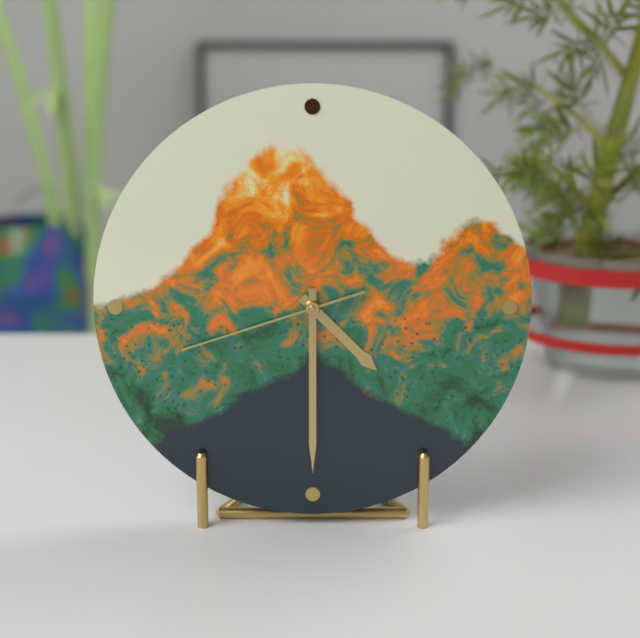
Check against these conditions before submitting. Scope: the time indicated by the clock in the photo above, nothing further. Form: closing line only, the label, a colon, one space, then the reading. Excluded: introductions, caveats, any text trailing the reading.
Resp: 4:30:42
